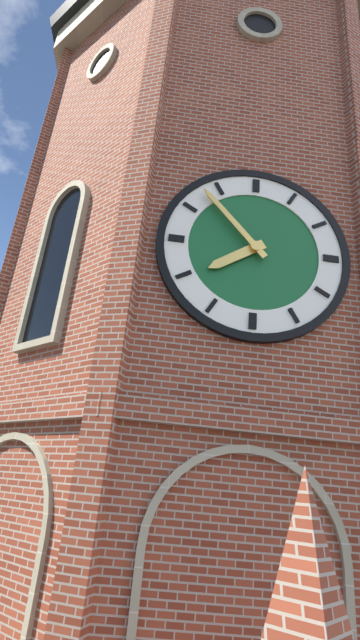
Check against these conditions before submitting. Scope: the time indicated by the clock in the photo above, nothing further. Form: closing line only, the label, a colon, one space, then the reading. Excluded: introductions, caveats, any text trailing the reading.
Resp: 7:53
